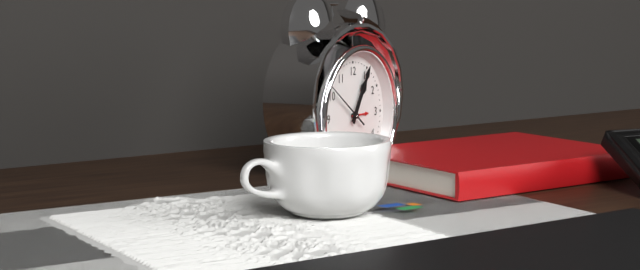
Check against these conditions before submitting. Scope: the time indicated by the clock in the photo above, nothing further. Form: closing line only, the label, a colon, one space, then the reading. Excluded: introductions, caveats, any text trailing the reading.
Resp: 1:05
